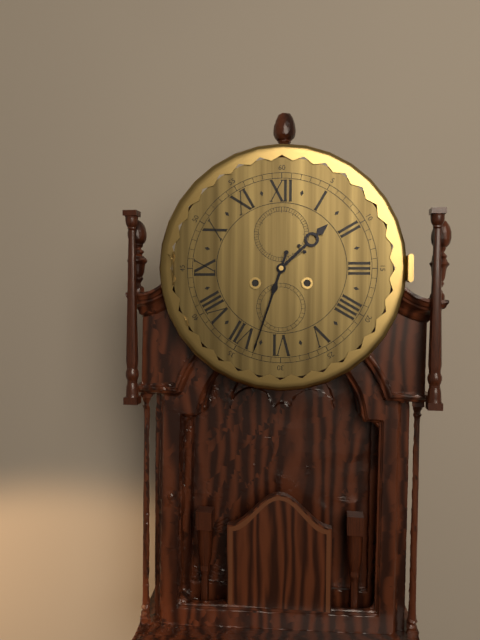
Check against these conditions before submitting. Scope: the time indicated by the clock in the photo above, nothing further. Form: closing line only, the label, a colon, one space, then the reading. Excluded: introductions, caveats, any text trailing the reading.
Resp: 1:33
